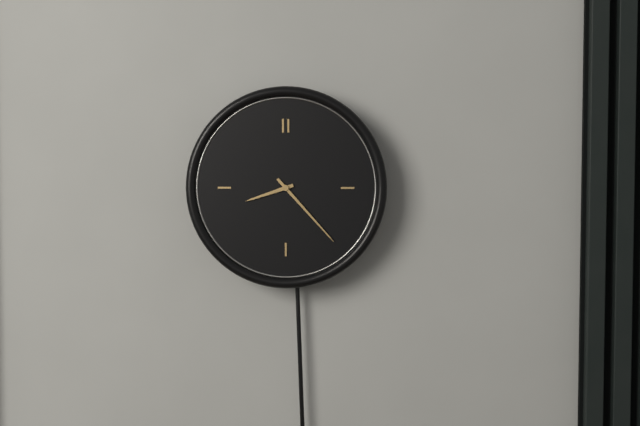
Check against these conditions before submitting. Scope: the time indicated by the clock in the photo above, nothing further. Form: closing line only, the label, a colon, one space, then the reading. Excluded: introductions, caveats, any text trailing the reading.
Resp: 8:23
